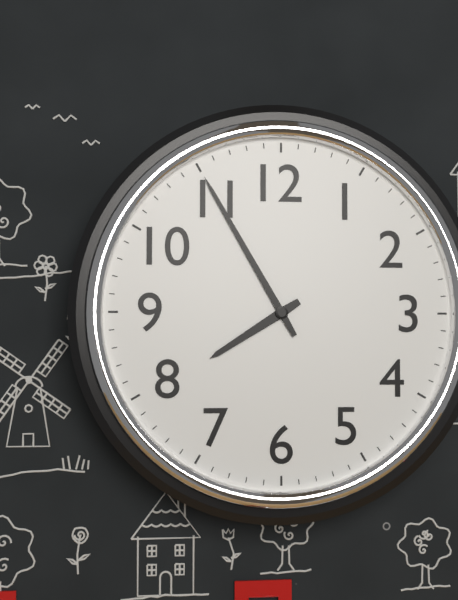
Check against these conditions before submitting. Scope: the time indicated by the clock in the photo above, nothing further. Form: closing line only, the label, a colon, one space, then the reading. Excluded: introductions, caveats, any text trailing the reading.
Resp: 7:55
